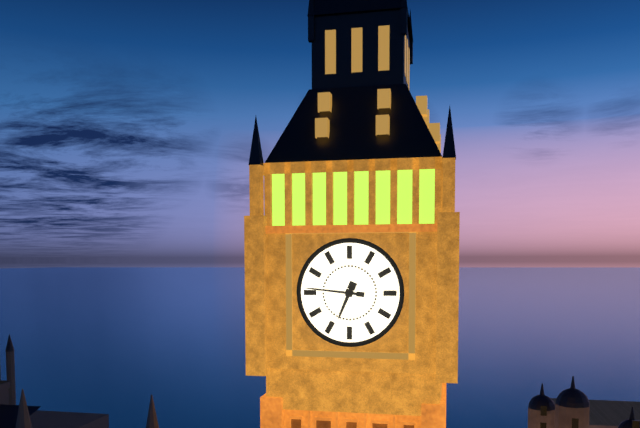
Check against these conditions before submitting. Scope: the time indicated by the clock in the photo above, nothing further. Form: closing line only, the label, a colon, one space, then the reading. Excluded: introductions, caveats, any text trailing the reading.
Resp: 6:46
